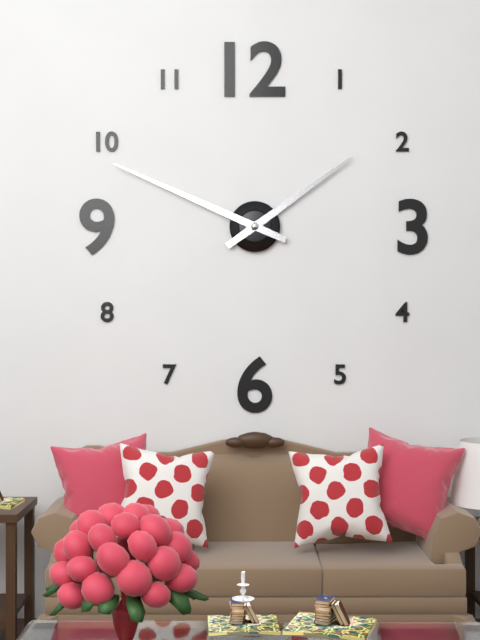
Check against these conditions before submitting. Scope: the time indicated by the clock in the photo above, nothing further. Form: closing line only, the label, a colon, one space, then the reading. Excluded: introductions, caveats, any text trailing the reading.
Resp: 1:49
